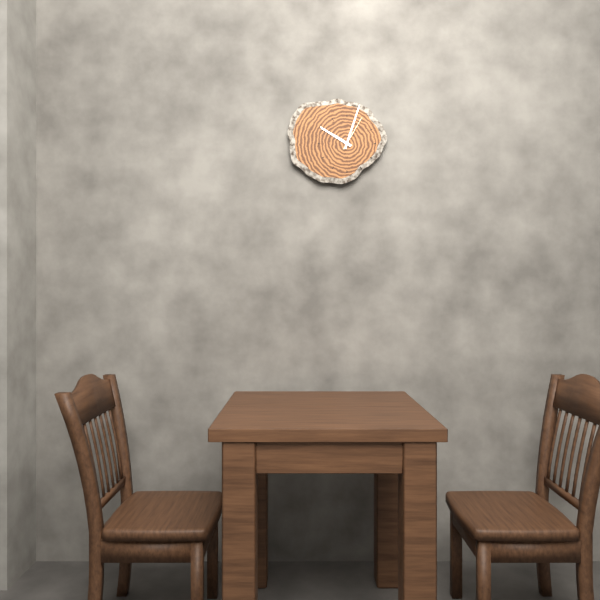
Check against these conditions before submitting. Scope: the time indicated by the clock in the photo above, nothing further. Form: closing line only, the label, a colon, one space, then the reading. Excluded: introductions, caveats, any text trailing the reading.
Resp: 10:03
